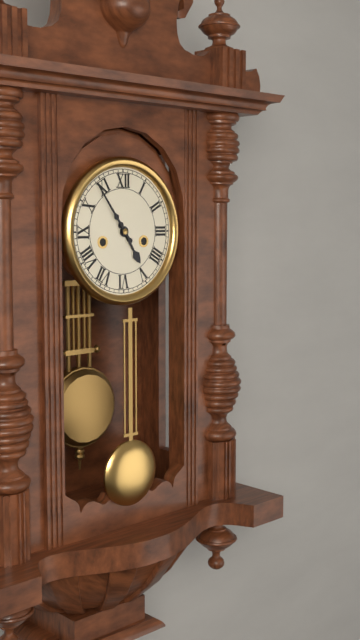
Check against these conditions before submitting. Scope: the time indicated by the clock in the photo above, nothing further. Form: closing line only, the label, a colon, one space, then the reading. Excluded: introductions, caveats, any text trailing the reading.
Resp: 4:54
